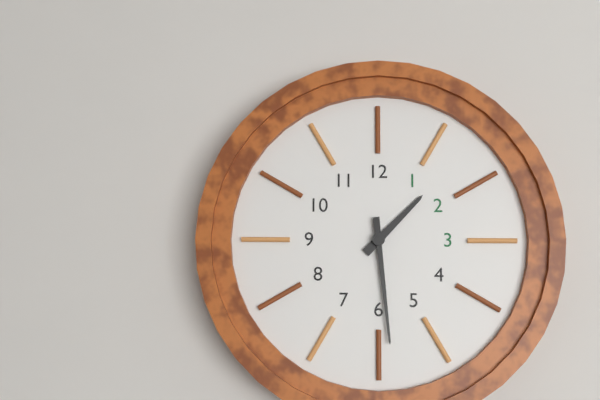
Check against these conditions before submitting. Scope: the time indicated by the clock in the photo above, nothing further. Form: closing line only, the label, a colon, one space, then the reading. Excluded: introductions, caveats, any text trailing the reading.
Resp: 1:29
